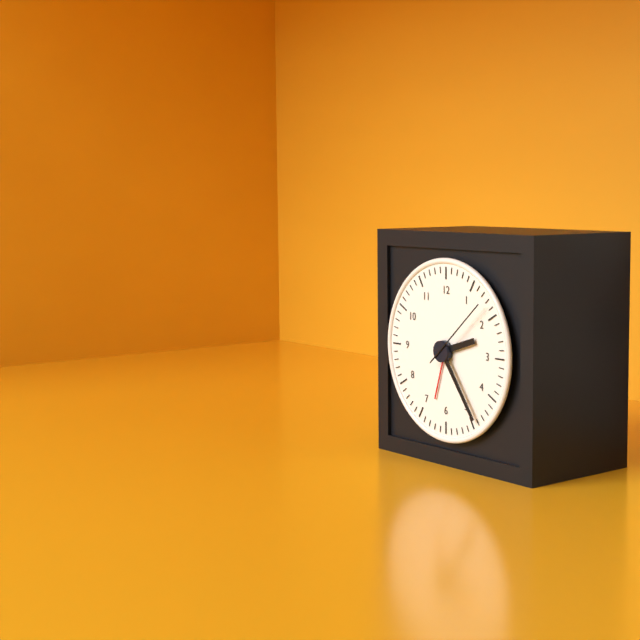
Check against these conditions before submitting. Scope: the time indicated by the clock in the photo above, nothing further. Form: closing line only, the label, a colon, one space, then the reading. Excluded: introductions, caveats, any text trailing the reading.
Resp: 2:24:08
